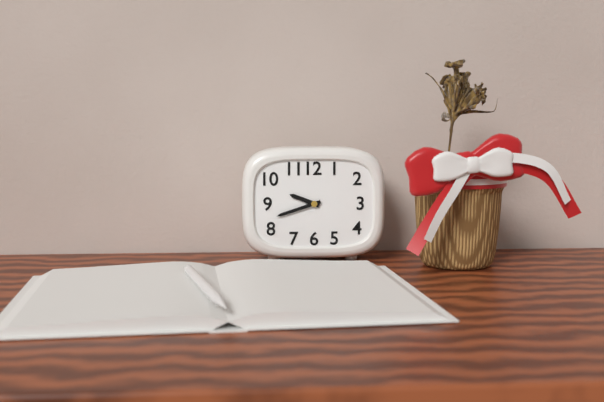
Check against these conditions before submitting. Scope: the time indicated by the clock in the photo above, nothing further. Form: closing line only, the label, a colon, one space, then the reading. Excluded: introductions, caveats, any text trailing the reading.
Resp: 9:42
